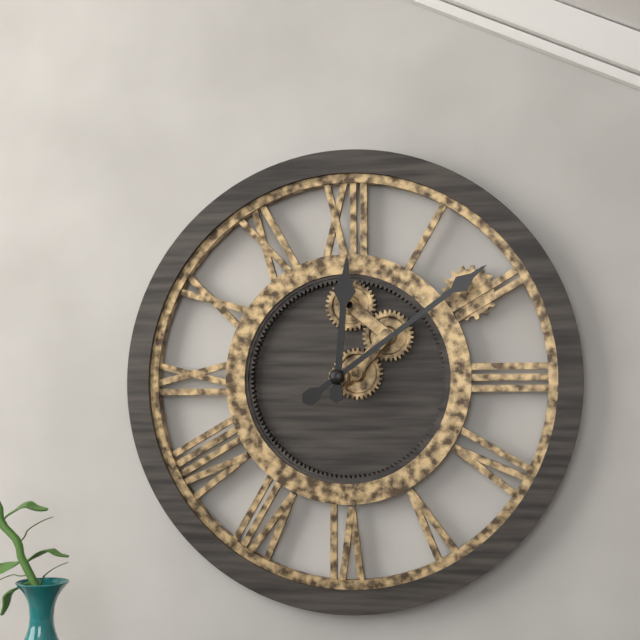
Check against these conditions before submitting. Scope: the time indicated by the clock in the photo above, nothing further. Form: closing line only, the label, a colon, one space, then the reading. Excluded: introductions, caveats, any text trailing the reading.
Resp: 12:09
